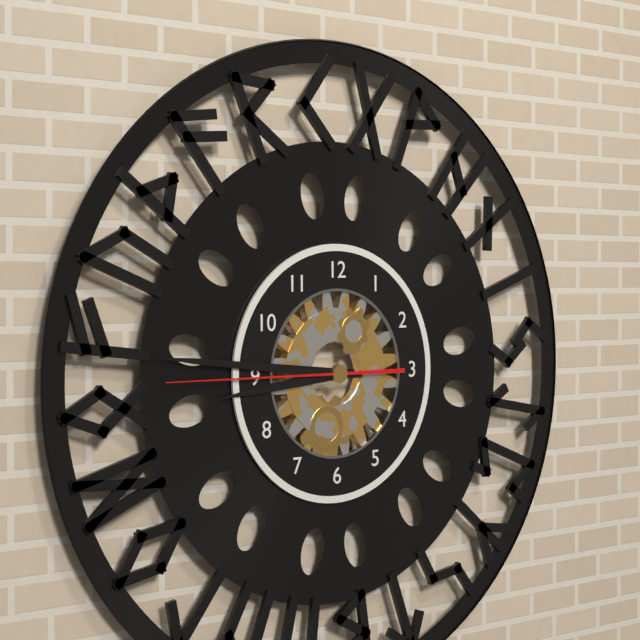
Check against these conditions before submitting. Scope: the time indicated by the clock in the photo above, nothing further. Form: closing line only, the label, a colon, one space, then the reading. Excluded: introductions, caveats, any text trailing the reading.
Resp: 8:46:45
